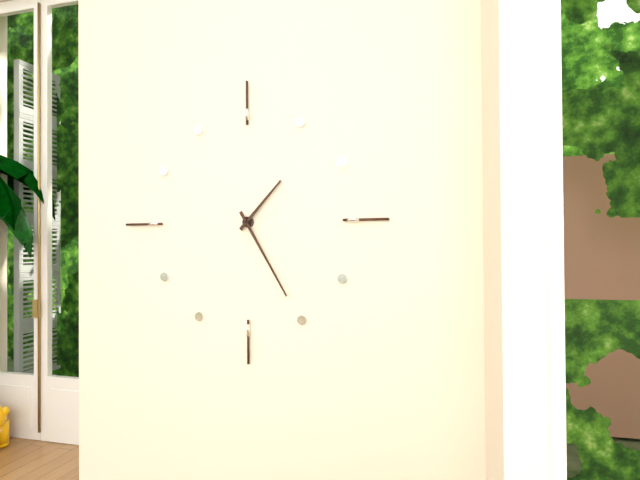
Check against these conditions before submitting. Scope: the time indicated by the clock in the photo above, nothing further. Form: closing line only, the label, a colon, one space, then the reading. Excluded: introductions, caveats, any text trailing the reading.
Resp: 1:25
